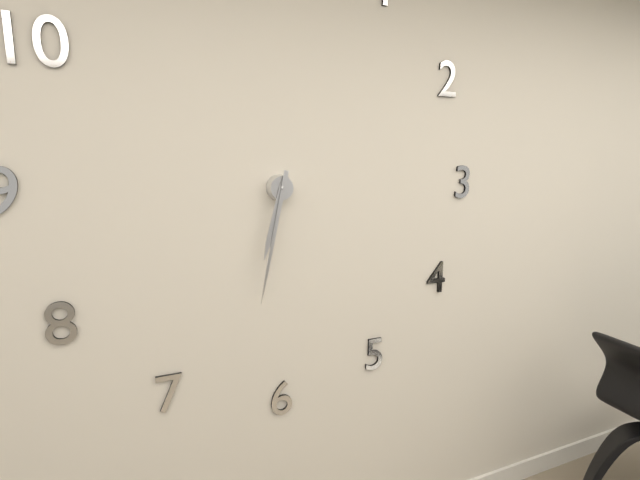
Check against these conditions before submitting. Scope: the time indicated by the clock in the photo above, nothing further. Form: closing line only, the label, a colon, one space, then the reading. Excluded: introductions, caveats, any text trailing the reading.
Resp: 6:32
